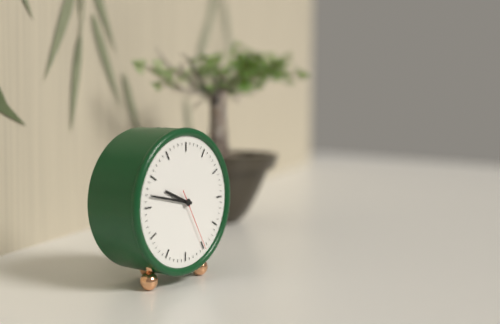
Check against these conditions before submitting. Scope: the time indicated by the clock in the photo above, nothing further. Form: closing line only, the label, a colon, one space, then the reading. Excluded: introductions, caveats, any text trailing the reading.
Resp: 9:47:25
